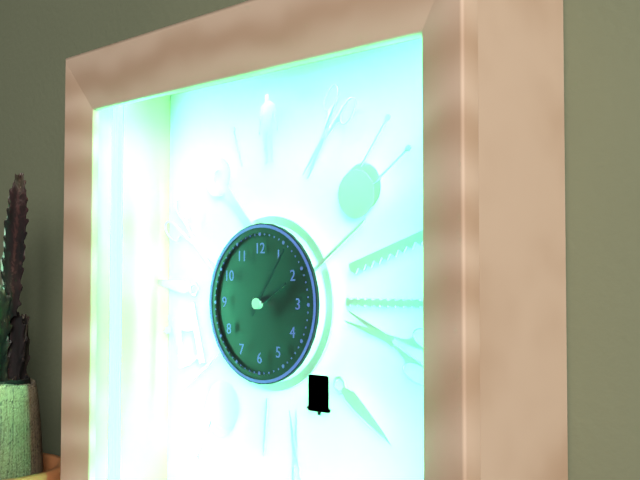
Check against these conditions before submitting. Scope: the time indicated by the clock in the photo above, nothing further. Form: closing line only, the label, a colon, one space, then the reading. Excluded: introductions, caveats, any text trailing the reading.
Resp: 2:06
